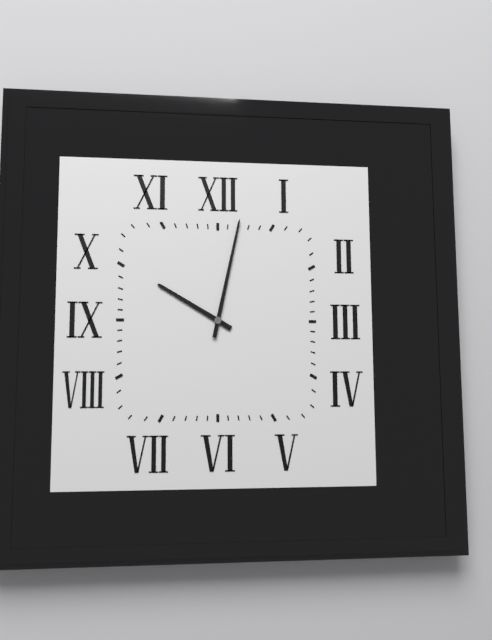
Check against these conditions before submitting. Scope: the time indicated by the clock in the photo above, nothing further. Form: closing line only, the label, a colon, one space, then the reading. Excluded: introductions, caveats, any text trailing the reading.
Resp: 10:02
